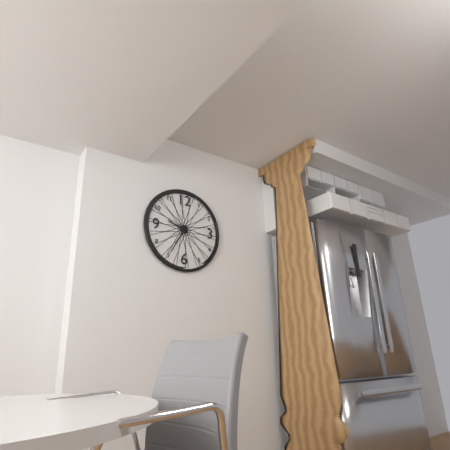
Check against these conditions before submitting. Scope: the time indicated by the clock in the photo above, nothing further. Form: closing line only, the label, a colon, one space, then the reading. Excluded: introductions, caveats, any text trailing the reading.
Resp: 9:35
